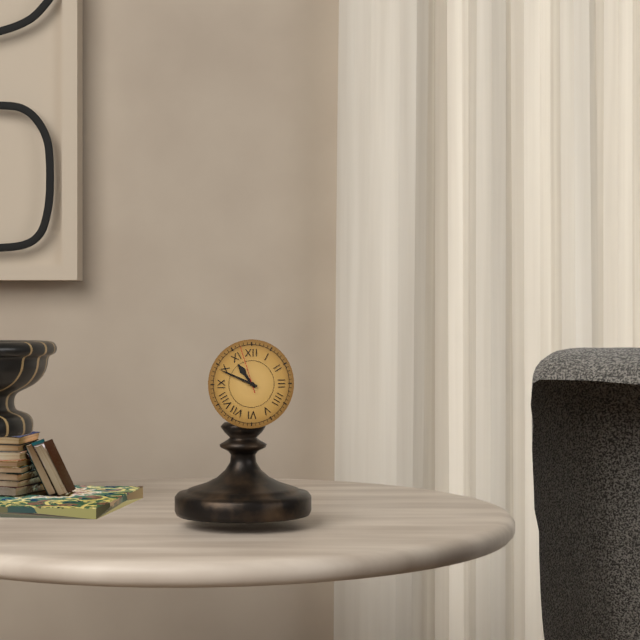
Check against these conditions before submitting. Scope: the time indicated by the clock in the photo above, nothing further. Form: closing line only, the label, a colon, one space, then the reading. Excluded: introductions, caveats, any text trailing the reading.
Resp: 10:49:57
